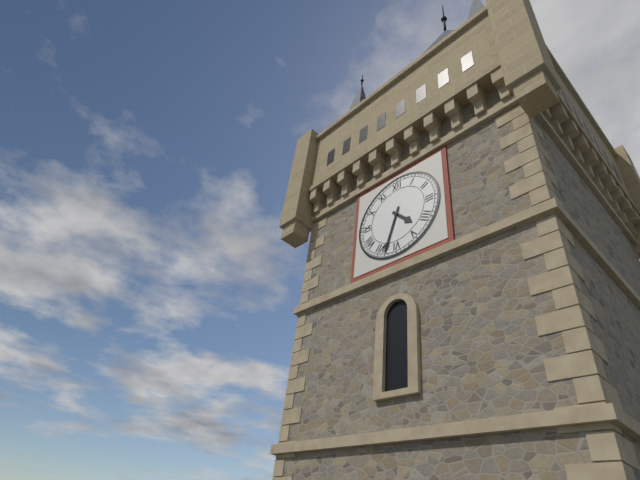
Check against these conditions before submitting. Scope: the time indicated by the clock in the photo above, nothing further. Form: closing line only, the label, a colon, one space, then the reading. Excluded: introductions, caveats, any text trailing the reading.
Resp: 4:33
